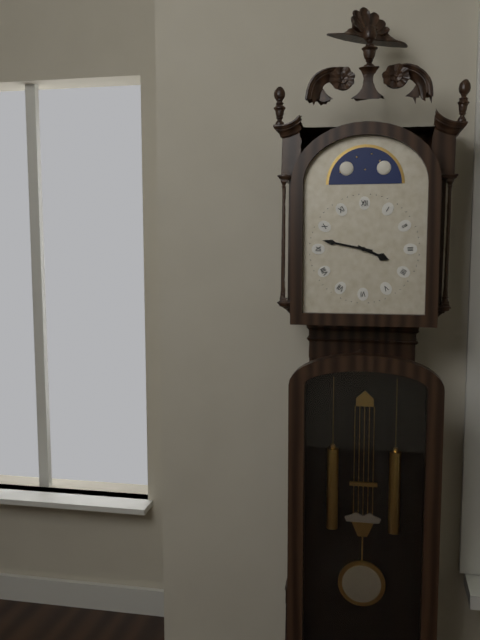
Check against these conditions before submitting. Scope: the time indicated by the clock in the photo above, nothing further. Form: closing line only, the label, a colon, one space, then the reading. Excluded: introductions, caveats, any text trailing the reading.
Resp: 3:47
